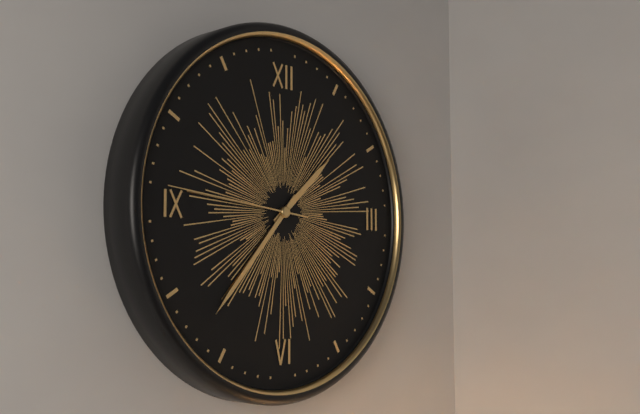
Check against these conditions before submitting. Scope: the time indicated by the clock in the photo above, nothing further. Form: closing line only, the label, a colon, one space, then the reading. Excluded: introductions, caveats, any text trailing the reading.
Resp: 1:37:46
